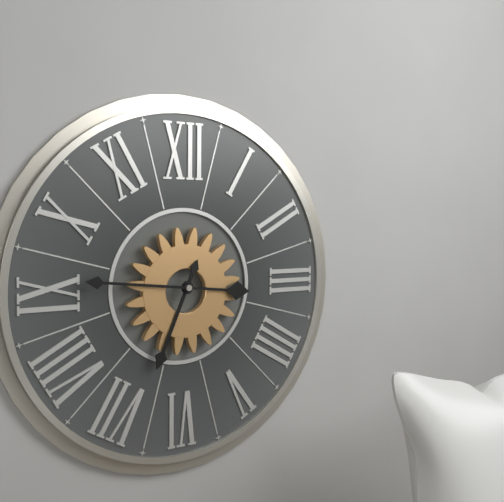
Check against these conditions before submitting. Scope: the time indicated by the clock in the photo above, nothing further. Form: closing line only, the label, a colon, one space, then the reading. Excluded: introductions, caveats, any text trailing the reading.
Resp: 6:46
